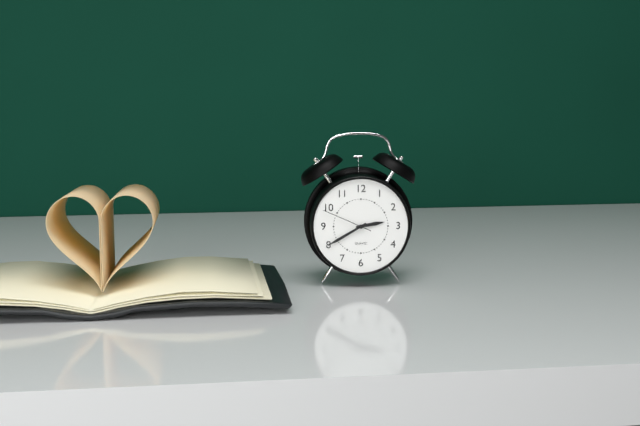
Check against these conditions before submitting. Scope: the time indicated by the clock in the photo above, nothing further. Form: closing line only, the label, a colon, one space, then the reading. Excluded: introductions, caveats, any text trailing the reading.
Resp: 2:40:49
